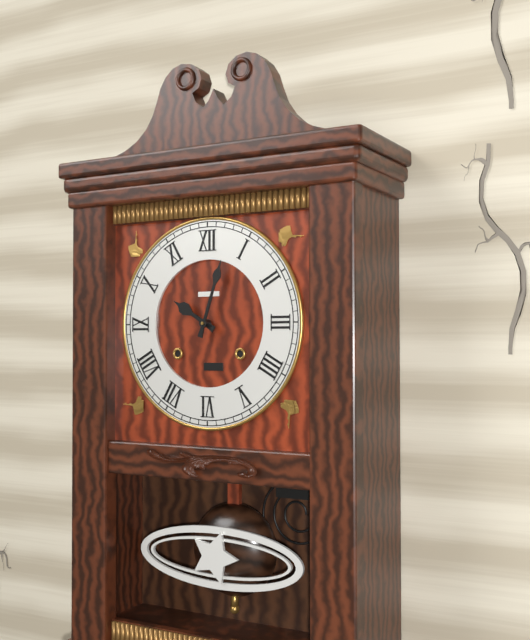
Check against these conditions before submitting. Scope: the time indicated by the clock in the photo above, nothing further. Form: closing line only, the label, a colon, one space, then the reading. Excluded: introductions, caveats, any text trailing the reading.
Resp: 10:03
